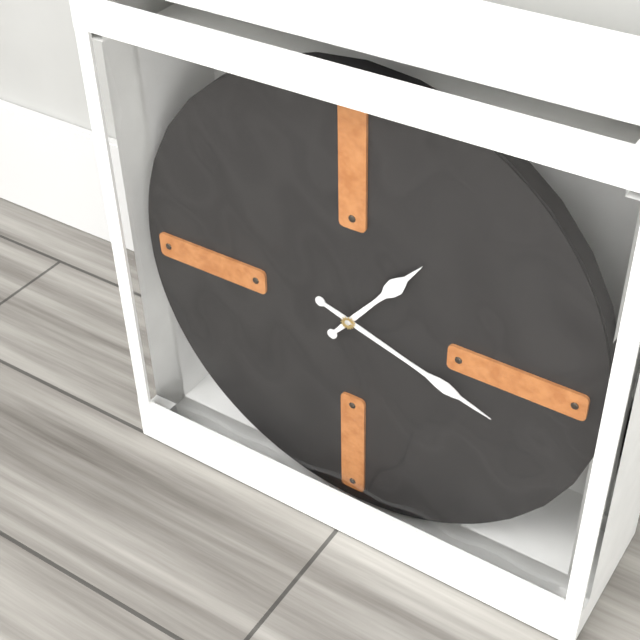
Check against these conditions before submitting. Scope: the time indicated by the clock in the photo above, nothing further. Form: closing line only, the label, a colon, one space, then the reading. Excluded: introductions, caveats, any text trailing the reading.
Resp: 1:18
